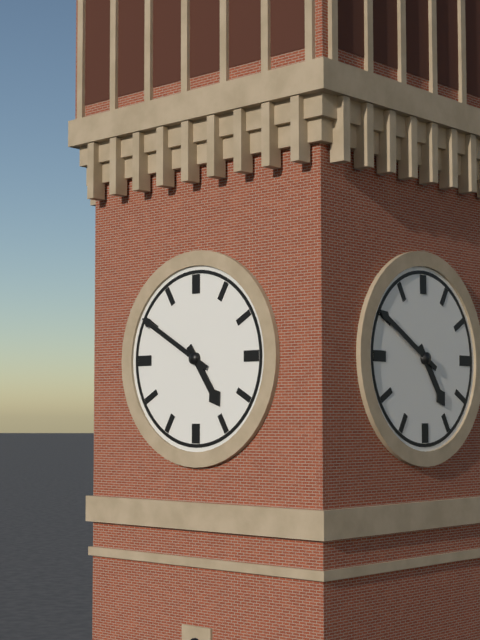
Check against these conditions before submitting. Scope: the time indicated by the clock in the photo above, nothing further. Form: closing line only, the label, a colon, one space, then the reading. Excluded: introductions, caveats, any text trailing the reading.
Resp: 4:50
